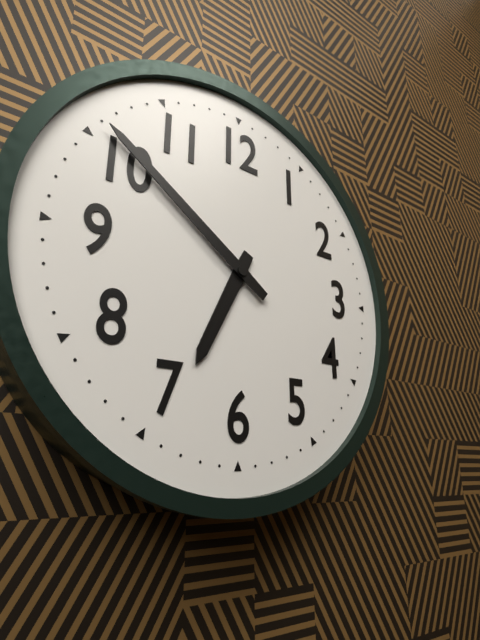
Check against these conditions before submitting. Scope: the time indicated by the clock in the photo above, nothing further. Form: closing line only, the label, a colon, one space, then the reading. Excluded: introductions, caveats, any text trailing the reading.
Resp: 6:51
